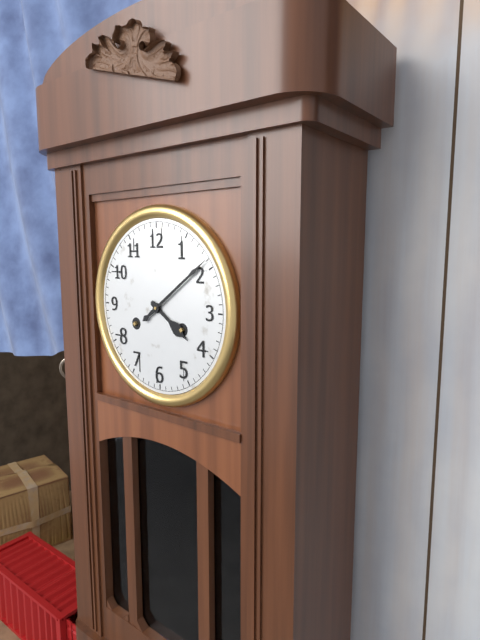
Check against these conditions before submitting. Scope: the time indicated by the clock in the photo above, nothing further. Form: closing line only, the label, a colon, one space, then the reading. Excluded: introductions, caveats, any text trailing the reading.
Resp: 4:09
